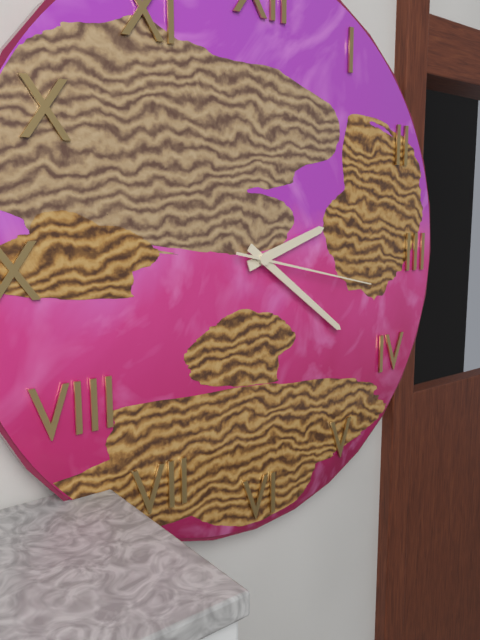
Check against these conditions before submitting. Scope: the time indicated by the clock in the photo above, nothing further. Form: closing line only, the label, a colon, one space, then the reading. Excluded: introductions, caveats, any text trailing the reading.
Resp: 2:21:17
